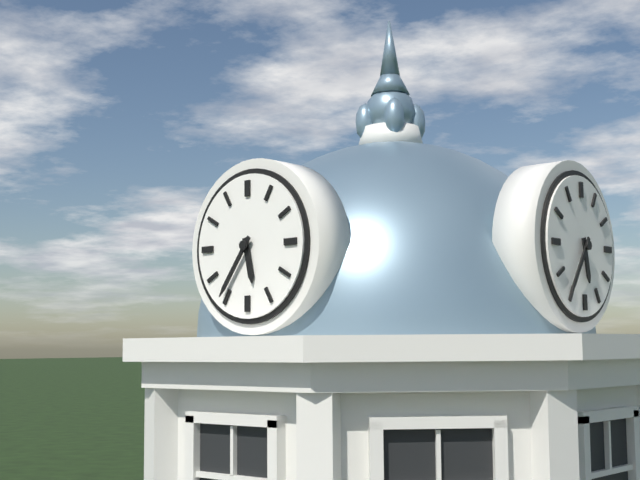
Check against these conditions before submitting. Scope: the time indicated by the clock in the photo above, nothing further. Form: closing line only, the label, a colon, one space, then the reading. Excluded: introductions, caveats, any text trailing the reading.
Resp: 5:36
